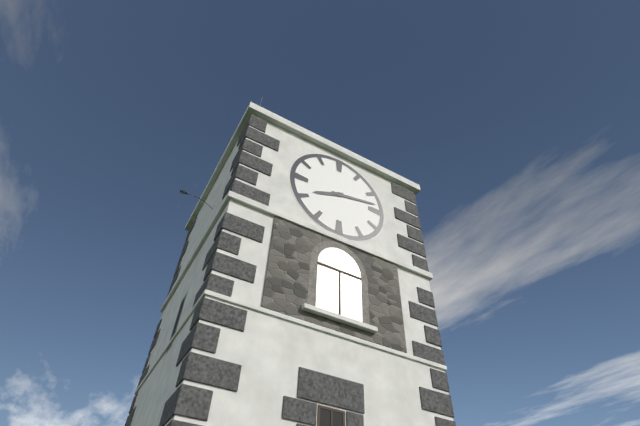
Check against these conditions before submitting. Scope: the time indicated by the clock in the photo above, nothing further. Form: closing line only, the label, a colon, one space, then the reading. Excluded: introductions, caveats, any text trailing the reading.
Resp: 8:13
